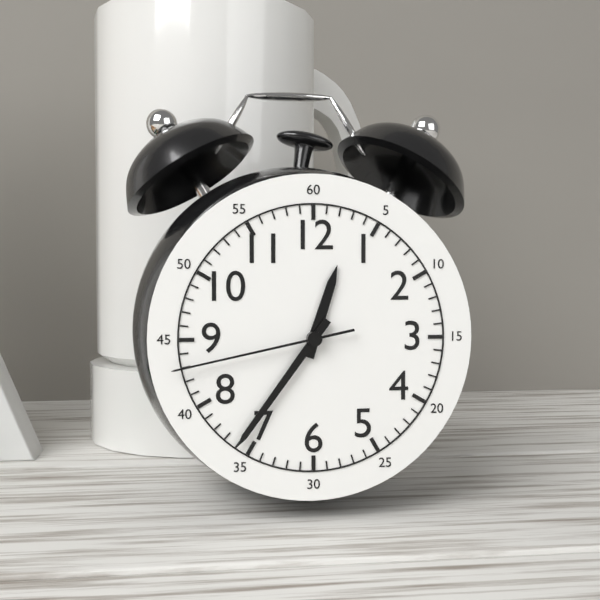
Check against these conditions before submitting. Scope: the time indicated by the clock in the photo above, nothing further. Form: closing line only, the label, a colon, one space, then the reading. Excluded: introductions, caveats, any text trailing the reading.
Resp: 12:36:43
